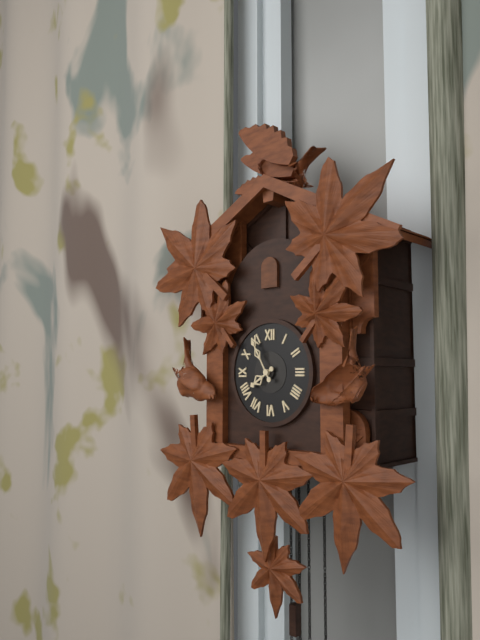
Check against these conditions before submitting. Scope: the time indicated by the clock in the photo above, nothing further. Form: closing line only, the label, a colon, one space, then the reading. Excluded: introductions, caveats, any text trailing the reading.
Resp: 7:55
